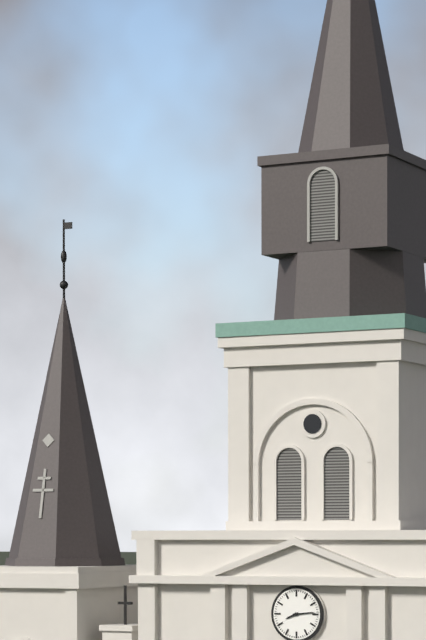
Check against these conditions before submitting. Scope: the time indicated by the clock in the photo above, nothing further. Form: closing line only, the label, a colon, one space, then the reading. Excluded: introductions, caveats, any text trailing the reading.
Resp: 8:14
